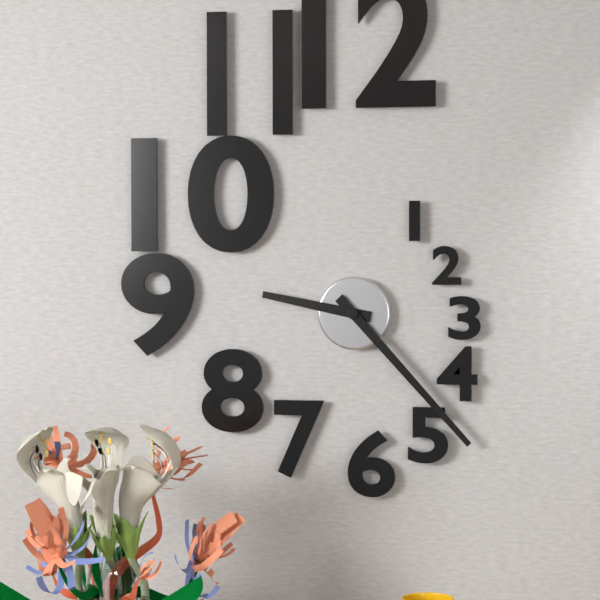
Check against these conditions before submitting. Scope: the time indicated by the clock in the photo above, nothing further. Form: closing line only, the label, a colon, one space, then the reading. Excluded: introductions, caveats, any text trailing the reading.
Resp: 9:23
